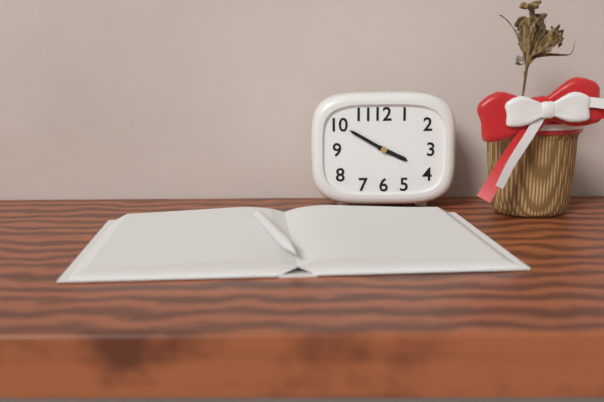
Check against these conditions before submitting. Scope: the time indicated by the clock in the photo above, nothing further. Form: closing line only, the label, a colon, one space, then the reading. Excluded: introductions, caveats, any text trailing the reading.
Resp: 3:50
